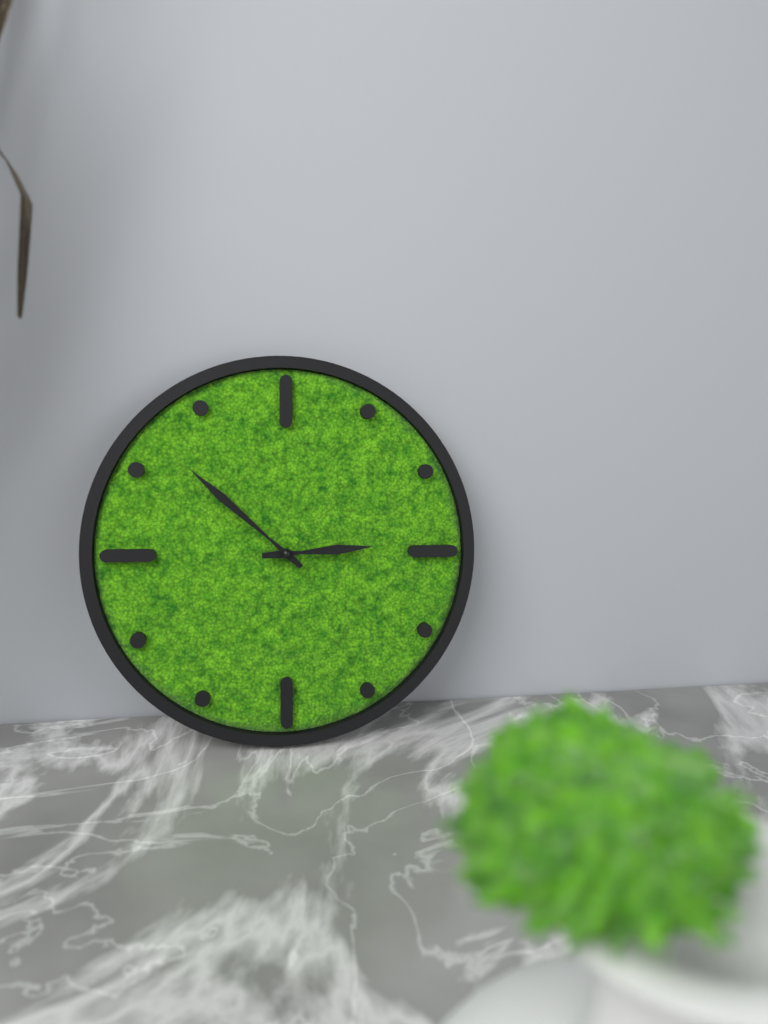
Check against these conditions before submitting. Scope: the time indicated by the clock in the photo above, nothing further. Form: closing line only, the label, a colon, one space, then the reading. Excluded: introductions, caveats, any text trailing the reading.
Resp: 2:52
